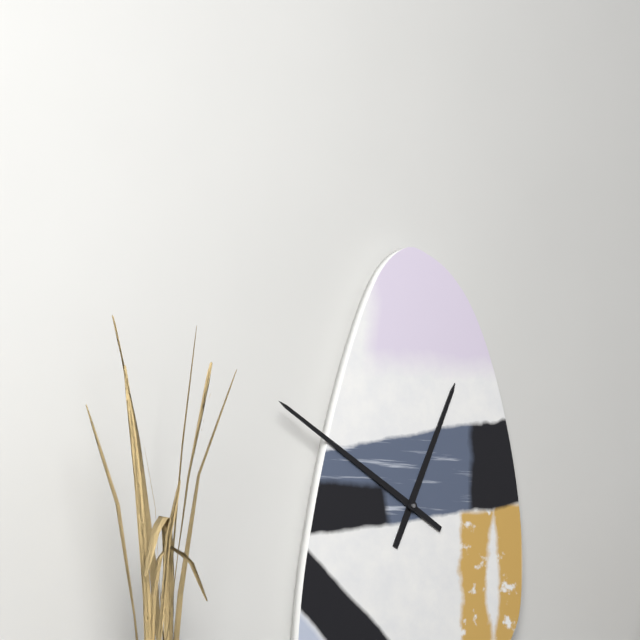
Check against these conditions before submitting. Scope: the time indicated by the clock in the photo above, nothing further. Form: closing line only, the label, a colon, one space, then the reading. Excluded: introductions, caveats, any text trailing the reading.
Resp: 12:50
